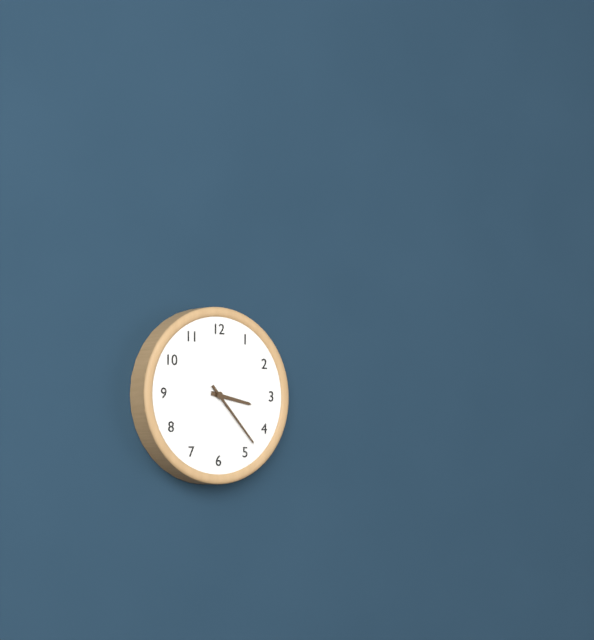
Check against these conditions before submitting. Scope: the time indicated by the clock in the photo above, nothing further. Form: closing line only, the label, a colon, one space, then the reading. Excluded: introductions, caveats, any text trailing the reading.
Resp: 3:23
